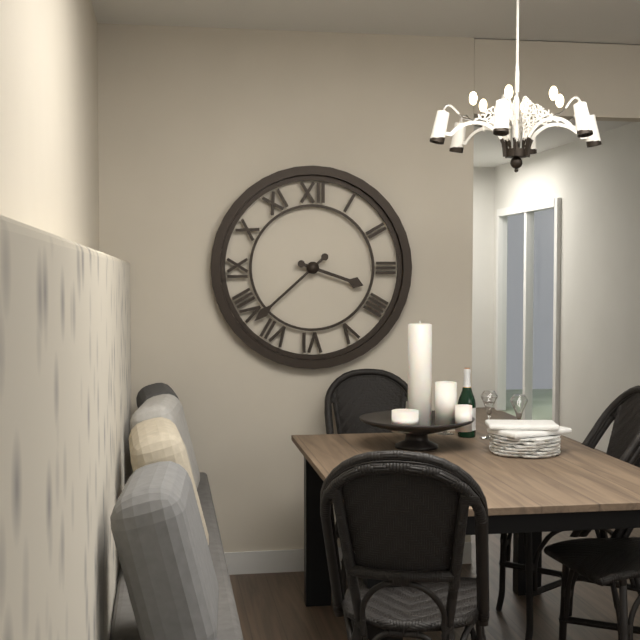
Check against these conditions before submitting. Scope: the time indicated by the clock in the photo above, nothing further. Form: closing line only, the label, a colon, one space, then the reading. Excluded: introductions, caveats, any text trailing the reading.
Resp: 3:38
